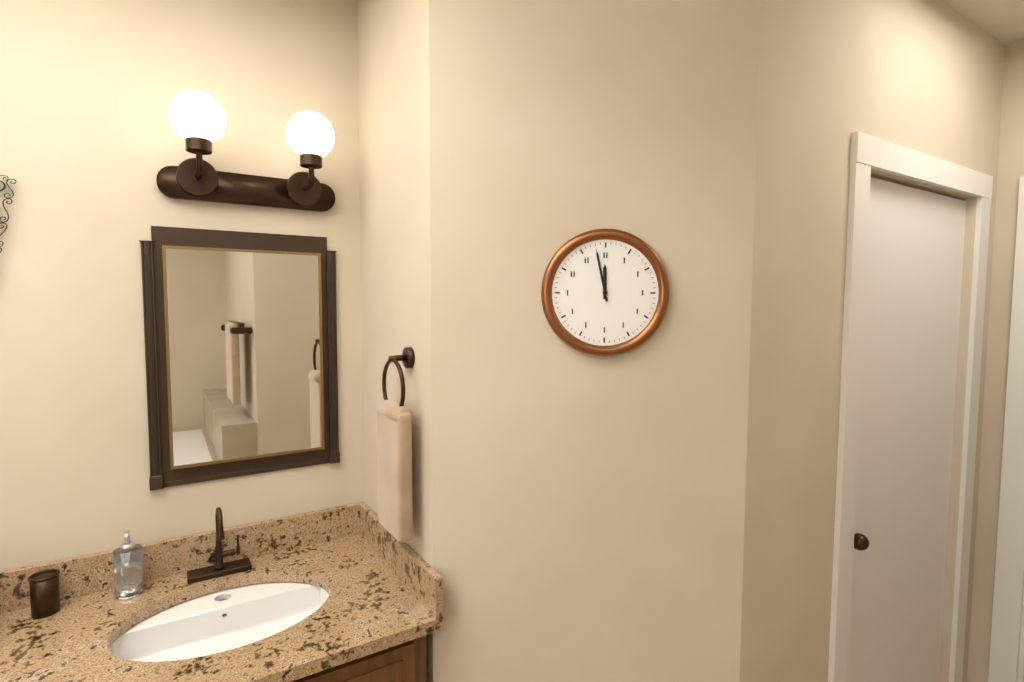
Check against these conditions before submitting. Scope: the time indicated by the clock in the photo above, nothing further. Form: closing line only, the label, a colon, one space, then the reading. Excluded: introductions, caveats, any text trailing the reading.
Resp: 11:58
